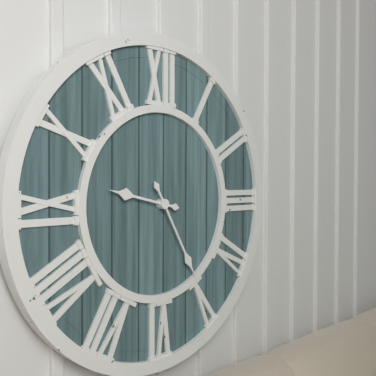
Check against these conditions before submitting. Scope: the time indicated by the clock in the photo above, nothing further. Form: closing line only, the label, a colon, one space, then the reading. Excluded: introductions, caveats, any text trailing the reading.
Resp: 9:25
